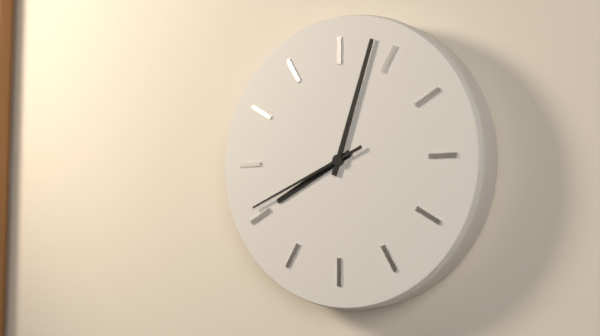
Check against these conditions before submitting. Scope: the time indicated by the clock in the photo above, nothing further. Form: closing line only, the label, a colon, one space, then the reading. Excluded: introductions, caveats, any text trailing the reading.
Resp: 8:03:41
